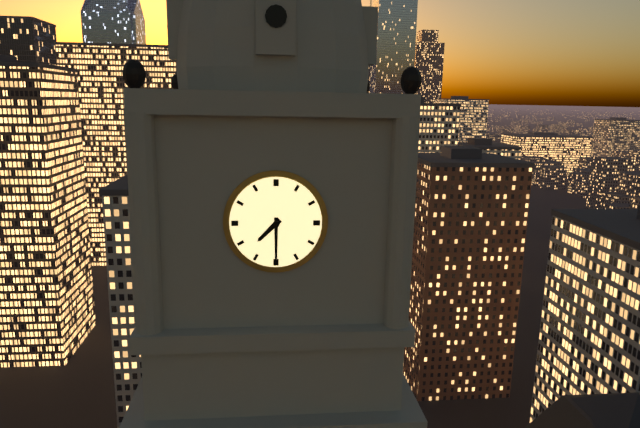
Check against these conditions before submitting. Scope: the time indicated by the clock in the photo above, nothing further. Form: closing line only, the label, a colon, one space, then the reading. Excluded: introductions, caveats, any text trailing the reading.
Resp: 7:30
